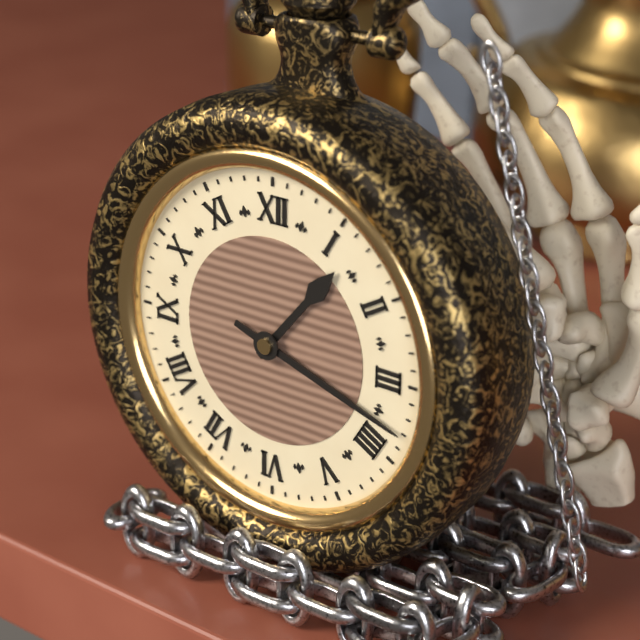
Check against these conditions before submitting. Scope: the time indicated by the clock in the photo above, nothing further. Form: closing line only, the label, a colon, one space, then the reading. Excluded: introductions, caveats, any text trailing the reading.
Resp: 1:18
